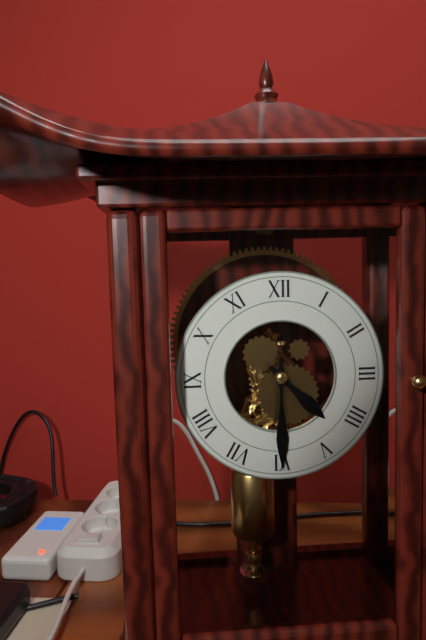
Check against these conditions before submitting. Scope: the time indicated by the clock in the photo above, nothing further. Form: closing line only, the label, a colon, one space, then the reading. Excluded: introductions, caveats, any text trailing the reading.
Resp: 4:30
